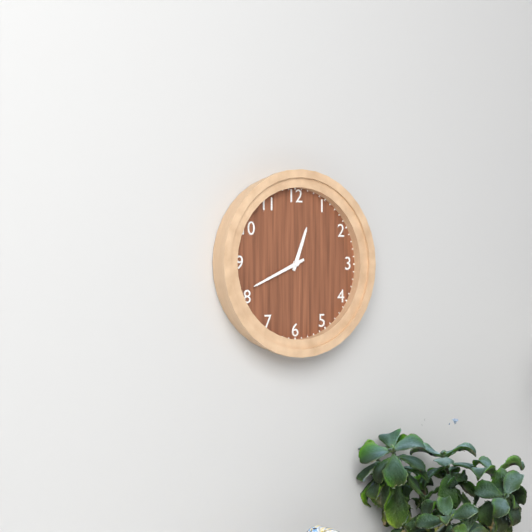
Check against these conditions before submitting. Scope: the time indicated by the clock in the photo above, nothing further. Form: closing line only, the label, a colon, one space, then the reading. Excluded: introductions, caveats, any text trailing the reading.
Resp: 12:41
